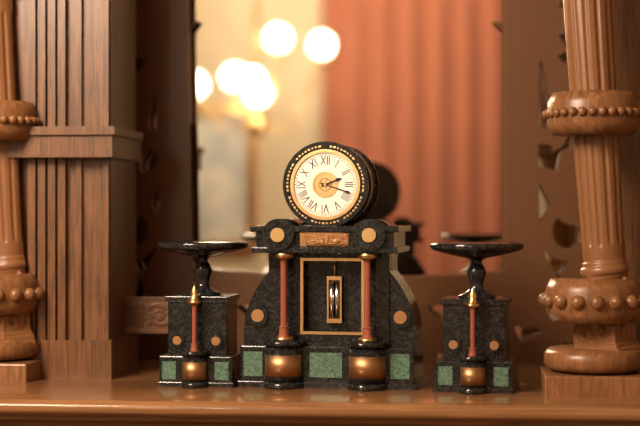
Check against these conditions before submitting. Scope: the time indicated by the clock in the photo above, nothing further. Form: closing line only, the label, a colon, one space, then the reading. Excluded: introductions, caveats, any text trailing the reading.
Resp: 2:18
